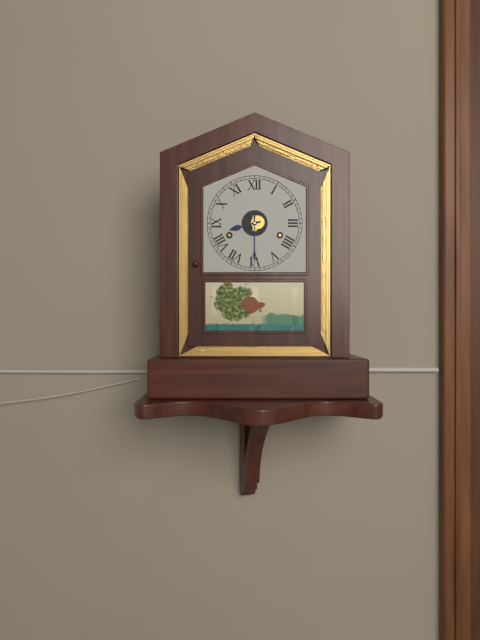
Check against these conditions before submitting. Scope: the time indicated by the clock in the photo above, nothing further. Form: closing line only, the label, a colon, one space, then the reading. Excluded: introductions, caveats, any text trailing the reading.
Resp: 8:30
